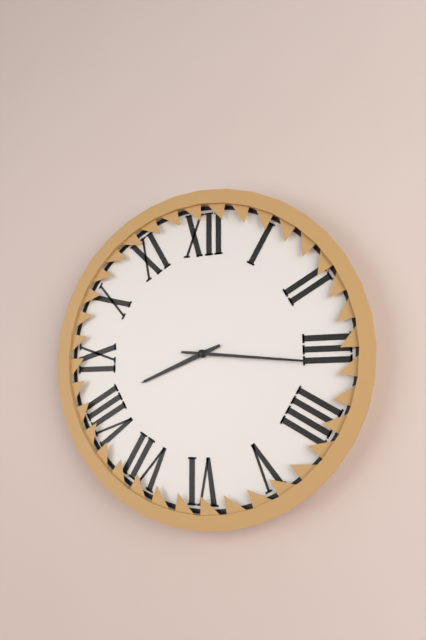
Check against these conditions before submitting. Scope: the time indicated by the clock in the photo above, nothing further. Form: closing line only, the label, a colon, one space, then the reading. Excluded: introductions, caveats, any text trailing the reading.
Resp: 8:16
